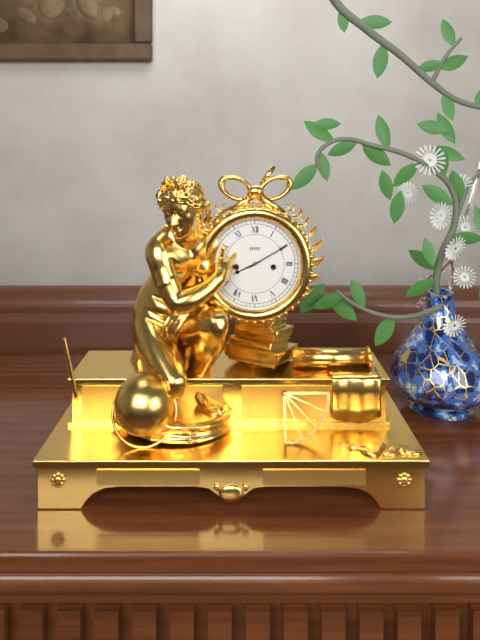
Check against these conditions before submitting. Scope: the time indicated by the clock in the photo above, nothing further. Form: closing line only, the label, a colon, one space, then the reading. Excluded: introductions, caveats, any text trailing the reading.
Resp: 8:10
